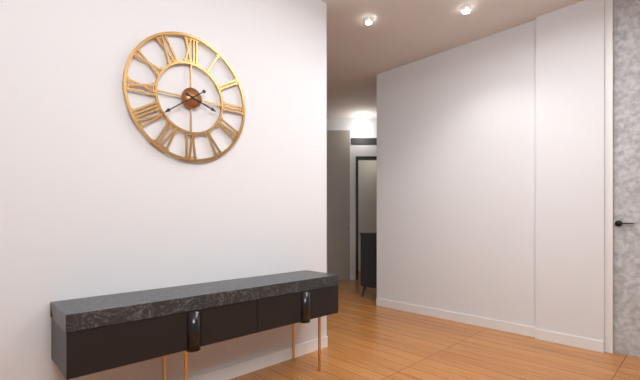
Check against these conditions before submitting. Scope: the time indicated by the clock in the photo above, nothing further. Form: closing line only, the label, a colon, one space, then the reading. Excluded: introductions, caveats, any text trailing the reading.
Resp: 3:39
